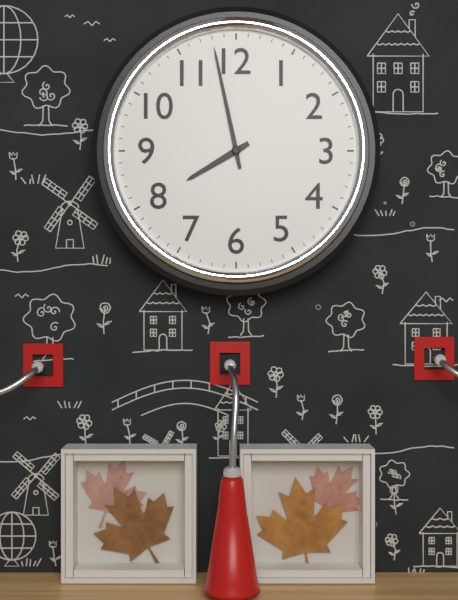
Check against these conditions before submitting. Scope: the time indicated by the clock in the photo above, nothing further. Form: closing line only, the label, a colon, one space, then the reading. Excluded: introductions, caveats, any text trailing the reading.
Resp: 7:58
